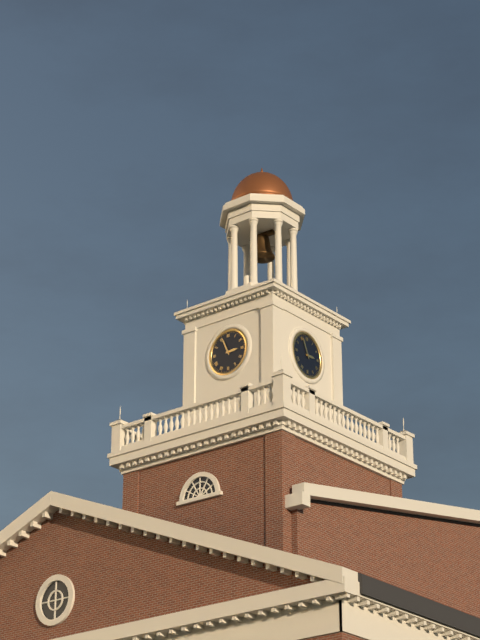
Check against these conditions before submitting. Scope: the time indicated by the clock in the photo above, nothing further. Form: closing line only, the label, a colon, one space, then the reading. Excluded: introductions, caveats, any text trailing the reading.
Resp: 2:56
